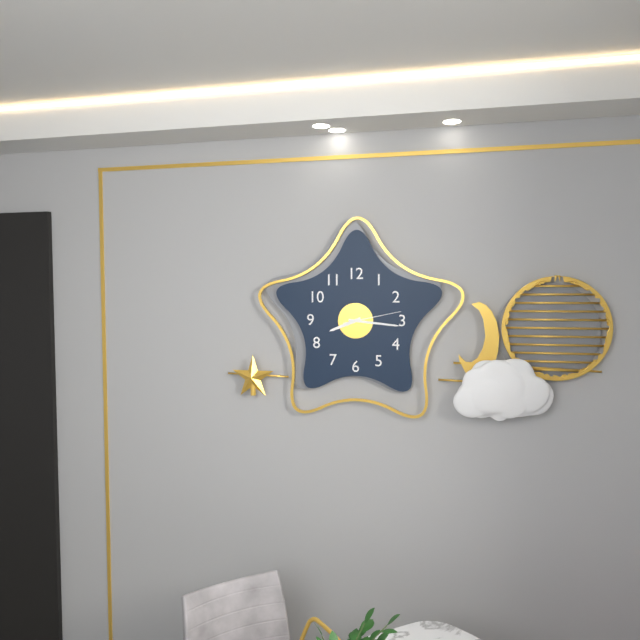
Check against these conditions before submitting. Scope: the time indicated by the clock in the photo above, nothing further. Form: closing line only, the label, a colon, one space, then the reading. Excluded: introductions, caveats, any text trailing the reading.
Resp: 8:16:13
